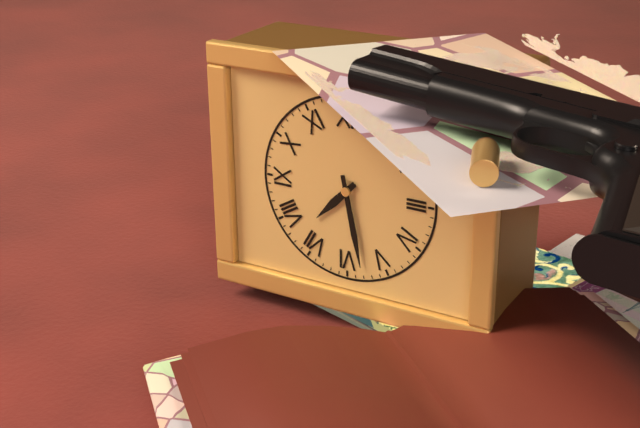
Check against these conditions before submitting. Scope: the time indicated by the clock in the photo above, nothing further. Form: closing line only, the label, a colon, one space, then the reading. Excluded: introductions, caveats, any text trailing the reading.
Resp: 7:28
